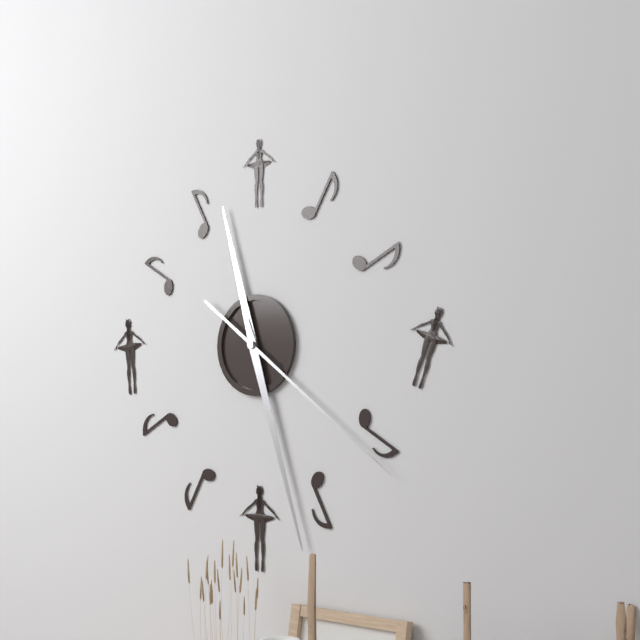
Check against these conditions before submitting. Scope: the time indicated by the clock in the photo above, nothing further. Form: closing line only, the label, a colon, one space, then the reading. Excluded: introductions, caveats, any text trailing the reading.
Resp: 11:27:21
